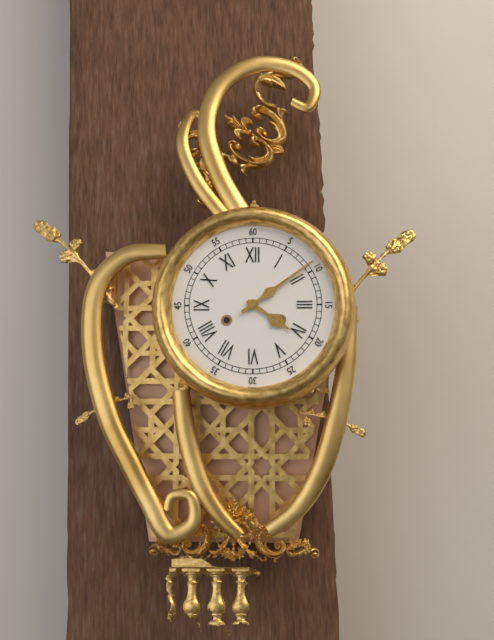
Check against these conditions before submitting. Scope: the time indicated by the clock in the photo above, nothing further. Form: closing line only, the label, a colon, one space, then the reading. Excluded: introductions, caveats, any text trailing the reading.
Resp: 4:09
